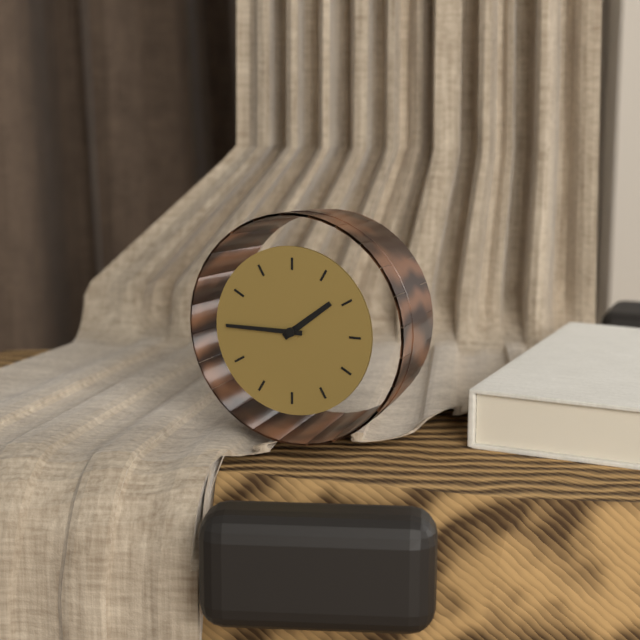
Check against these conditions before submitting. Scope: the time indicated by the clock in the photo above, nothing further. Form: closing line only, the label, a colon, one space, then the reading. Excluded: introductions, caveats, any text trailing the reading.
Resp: 1:45
